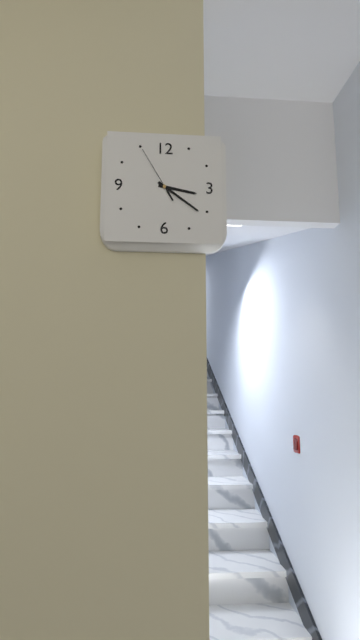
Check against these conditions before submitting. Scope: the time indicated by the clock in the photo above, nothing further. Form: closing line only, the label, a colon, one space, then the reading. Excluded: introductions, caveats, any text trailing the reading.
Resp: 3:21:55
